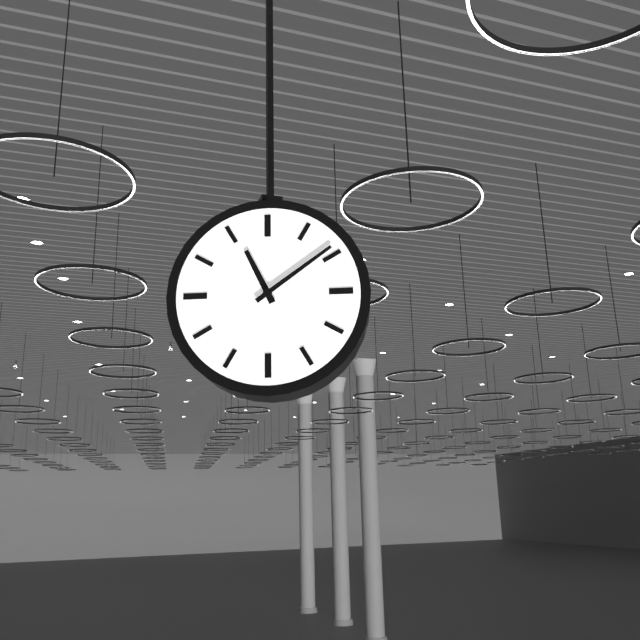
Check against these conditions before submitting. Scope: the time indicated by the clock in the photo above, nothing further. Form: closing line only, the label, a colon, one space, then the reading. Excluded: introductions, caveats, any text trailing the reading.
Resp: 11:09
